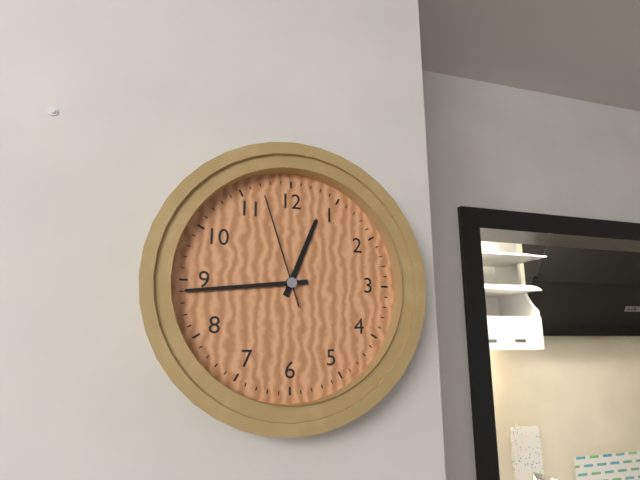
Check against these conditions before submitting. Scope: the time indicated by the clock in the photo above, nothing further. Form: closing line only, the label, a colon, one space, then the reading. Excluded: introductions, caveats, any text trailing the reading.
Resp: 12:44:57
